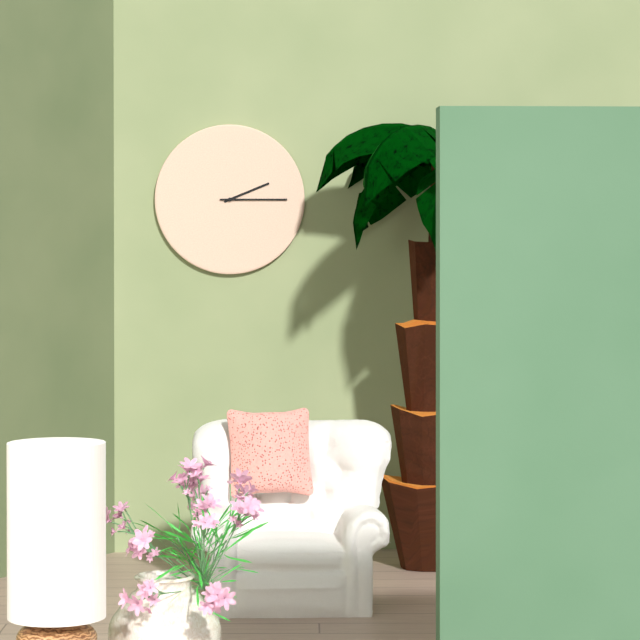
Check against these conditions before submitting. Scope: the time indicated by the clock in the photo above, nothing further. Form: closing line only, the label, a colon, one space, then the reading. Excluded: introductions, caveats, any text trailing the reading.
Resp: 2:15
